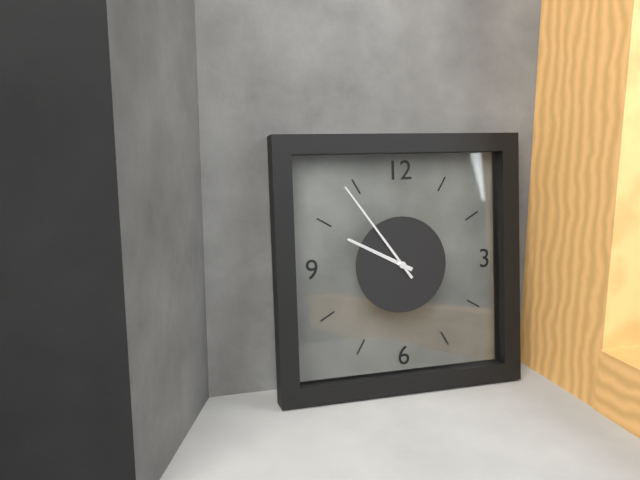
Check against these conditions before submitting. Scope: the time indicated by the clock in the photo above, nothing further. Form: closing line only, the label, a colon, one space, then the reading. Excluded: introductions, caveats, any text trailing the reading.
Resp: 9:54
